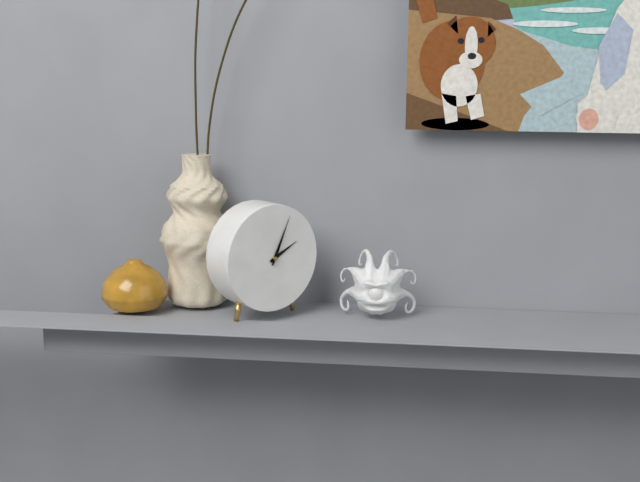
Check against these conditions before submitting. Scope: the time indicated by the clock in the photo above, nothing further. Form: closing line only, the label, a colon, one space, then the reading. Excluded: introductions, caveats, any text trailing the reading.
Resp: 2:04
